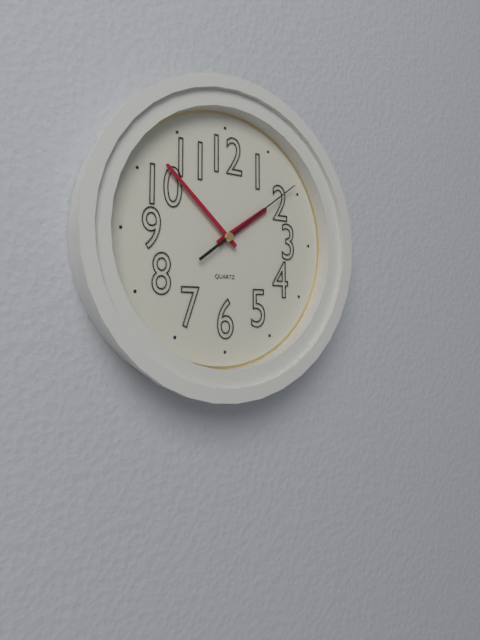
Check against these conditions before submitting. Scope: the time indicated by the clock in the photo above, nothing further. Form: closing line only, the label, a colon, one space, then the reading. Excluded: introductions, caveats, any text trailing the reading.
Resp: 1:52:09
